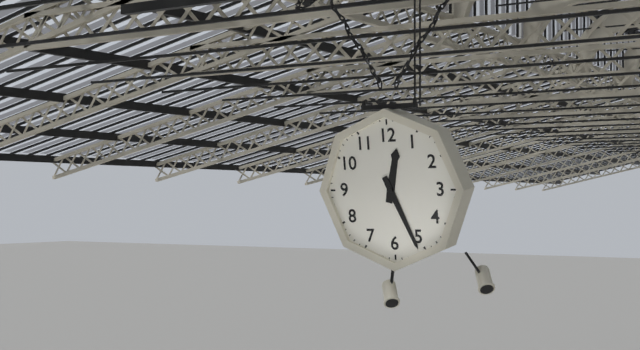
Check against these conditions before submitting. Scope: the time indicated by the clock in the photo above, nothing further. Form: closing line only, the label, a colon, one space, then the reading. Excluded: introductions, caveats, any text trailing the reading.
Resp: 12:26
